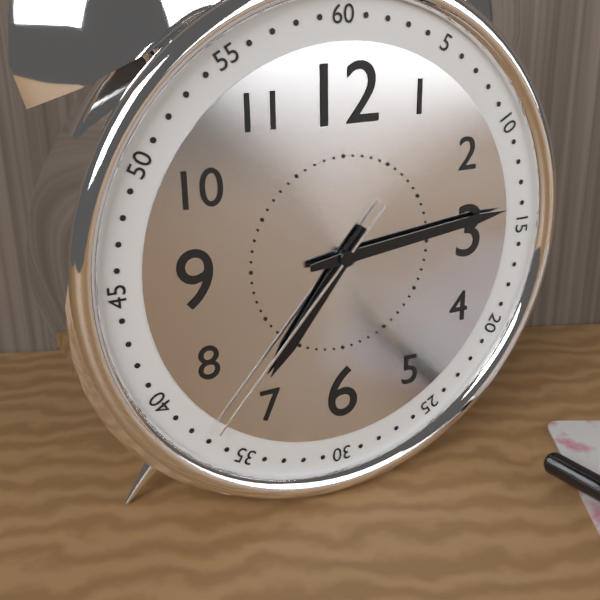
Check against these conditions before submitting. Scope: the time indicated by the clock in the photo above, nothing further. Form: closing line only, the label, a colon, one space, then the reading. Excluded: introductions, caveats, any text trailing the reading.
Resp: 7:14:37
